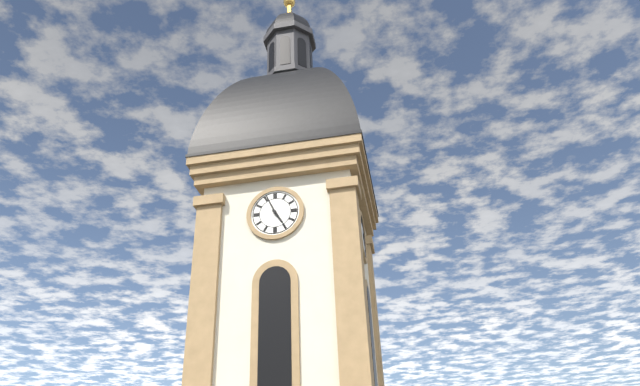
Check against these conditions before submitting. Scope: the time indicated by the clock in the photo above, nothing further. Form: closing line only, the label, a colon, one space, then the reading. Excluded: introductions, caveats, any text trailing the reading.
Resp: 4:56
